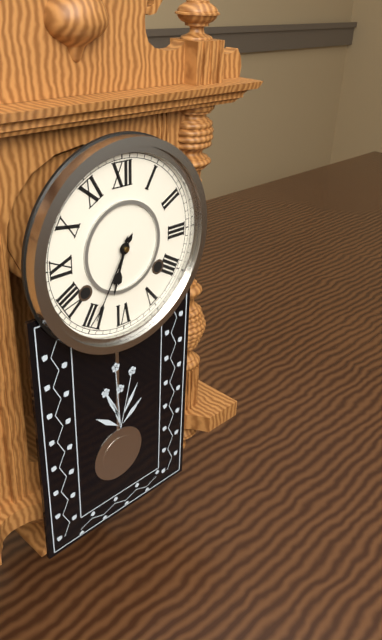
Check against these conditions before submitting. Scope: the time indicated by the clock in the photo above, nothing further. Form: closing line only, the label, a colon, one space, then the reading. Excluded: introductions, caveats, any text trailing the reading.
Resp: 6:35
